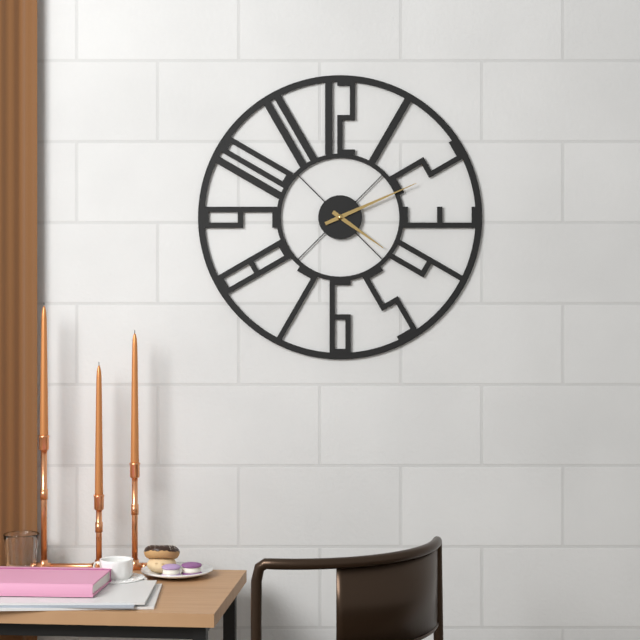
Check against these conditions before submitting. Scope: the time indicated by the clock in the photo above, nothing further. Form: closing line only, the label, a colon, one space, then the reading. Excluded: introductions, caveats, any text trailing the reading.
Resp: 4:11
